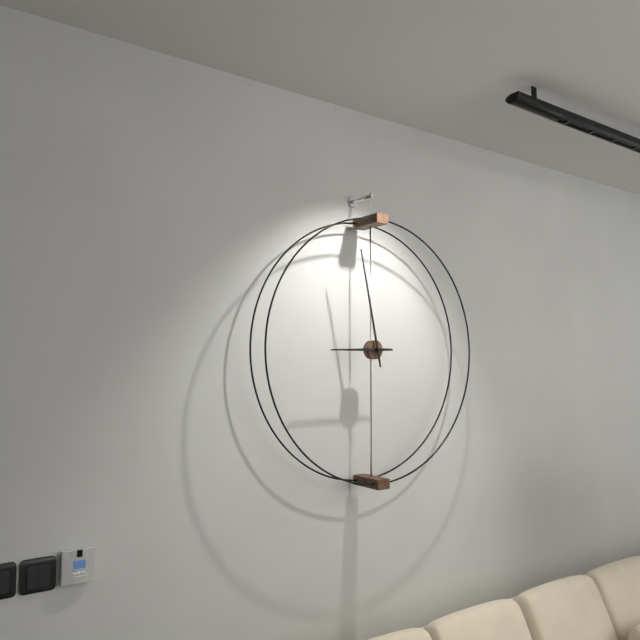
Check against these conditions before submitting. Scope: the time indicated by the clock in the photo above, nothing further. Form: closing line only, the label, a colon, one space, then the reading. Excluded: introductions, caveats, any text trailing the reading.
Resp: 8:58
